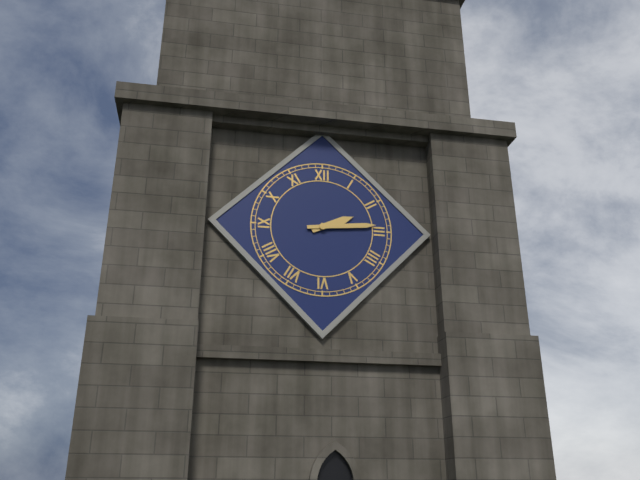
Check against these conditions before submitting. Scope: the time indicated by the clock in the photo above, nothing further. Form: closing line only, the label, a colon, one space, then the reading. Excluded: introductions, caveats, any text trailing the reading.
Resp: 2:14
